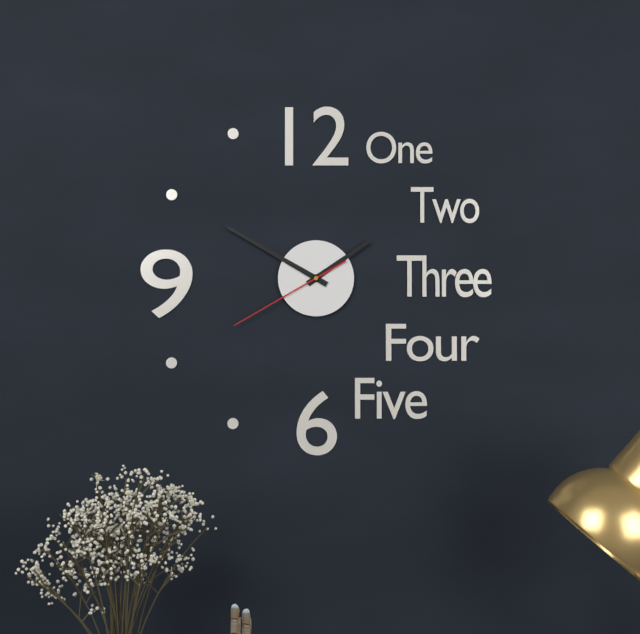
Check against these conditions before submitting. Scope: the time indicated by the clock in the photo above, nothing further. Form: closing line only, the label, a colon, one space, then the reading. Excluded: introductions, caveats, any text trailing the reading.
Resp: 1:50:40
